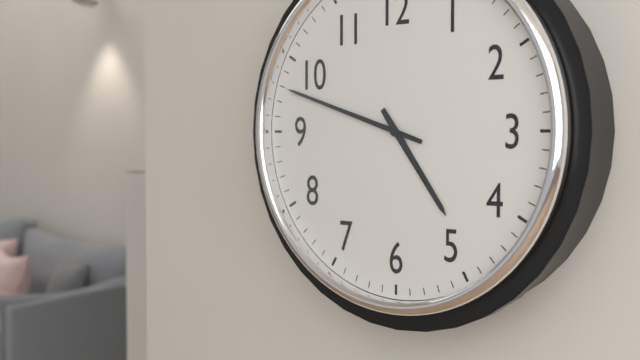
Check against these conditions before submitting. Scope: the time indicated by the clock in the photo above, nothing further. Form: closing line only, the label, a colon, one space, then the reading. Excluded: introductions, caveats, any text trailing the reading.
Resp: 4:48
